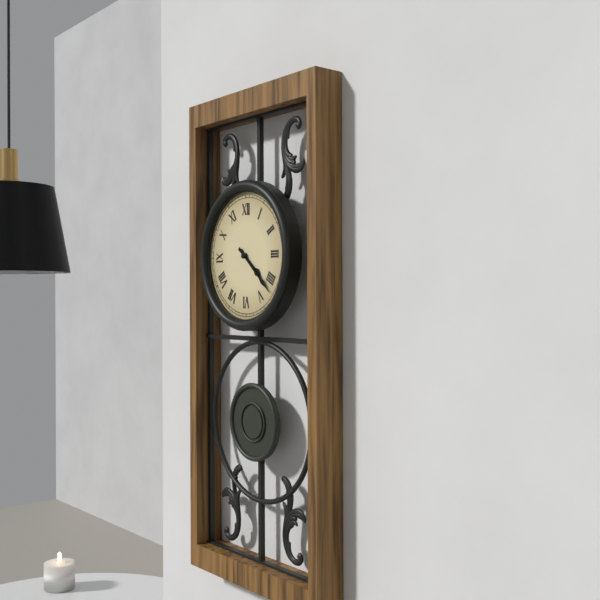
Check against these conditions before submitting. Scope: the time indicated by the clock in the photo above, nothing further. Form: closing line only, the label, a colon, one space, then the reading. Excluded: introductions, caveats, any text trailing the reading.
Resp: 4:22
